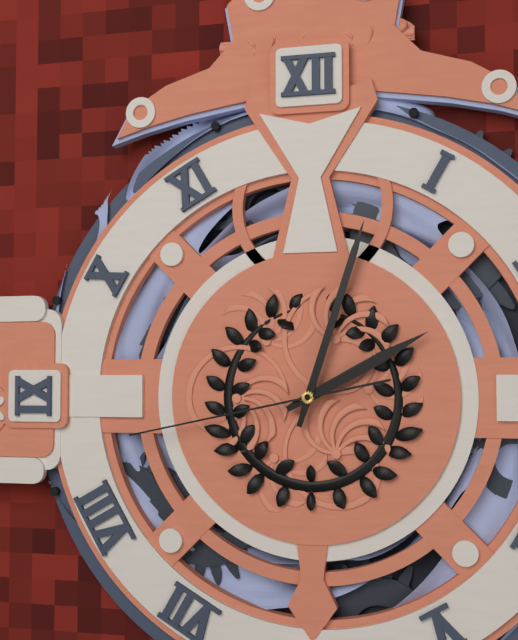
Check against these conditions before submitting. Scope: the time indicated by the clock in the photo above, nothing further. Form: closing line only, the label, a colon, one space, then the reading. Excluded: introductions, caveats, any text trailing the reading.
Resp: 2:03:43
